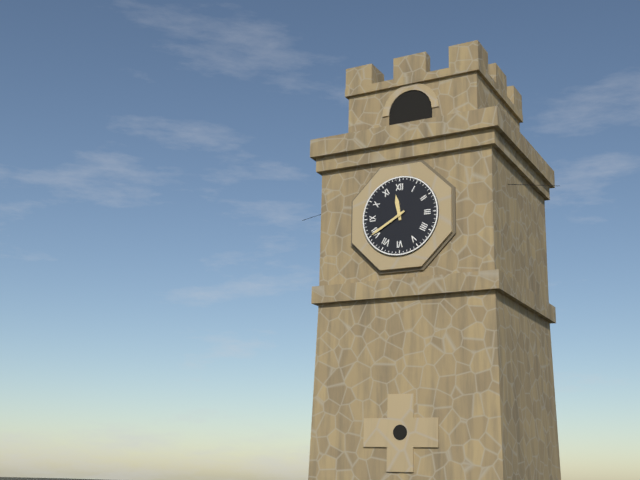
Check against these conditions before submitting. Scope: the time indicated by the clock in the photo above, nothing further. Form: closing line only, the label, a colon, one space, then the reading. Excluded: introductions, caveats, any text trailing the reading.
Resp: 11:40
